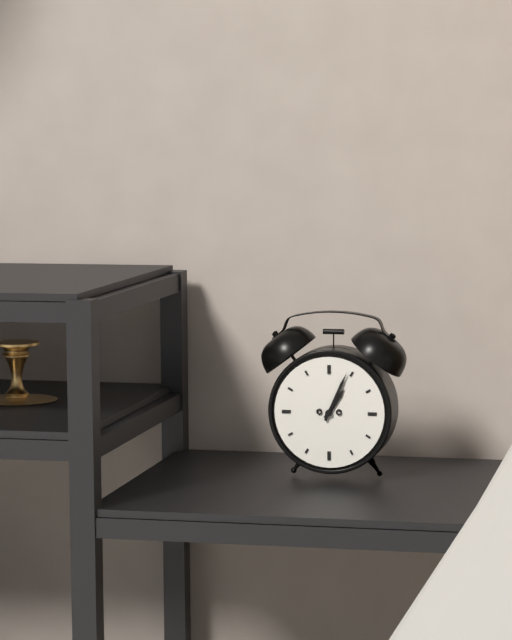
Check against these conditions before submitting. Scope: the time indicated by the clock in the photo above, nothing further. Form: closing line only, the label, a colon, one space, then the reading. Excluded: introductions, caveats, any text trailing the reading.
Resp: 1:04
